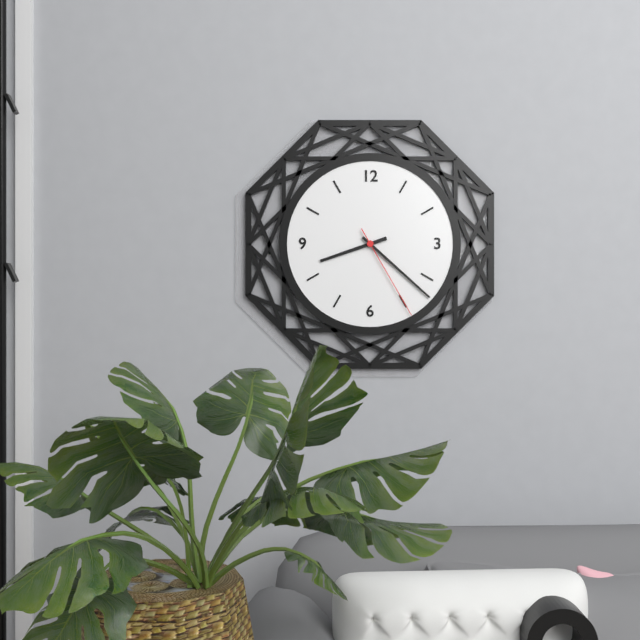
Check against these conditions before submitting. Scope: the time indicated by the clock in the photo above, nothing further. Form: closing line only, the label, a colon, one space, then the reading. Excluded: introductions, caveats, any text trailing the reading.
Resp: 8:22:25
